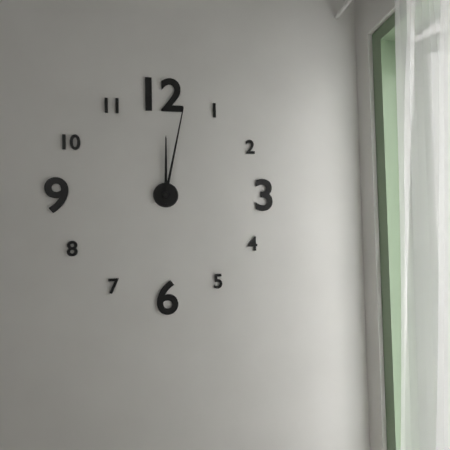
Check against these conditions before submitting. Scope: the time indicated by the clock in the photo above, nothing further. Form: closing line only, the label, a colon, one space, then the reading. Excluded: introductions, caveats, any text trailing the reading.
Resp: 12:02
